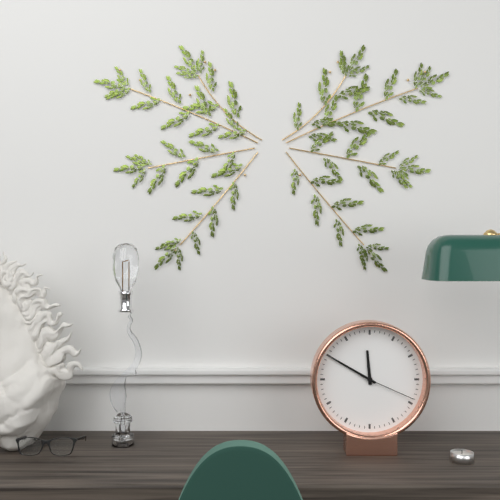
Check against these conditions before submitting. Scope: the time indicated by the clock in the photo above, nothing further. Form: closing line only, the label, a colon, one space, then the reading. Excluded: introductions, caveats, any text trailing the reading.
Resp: 11:50:19
